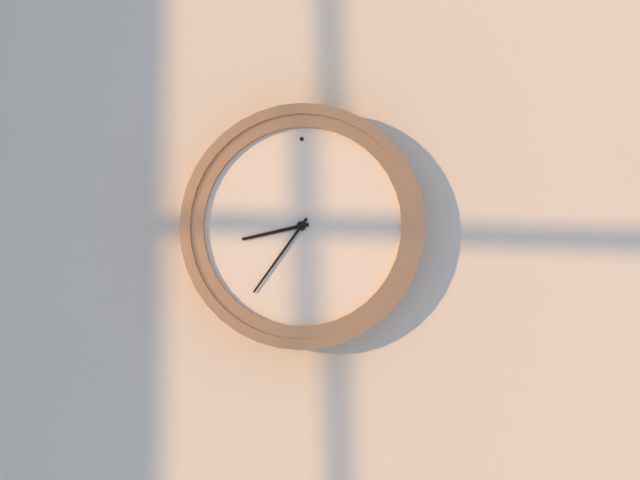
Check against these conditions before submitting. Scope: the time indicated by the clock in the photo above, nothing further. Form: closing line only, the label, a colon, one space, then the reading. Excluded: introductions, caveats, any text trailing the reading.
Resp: 8:36
